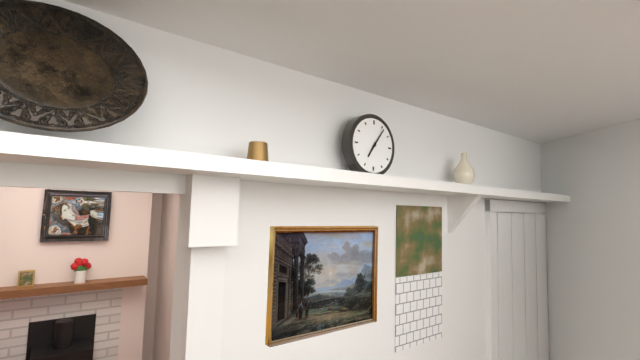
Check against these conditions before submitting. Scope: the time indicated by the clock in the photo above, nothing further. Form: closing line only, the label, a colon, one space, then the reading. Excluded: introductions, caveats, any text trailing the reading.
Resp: 7:06
